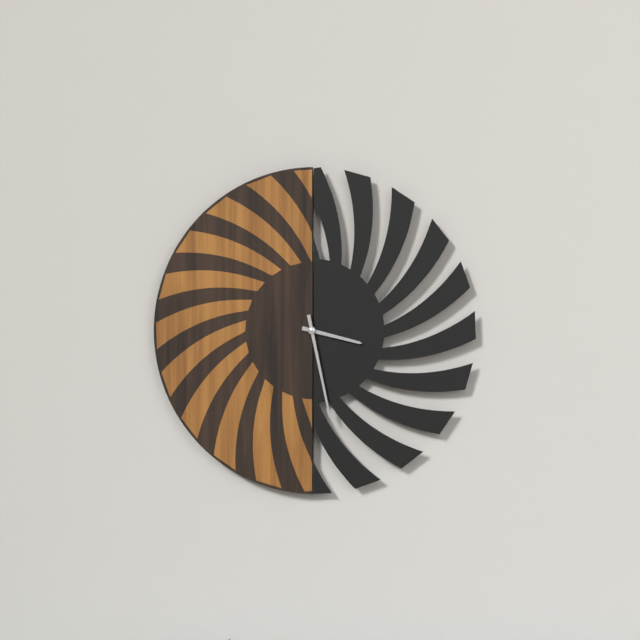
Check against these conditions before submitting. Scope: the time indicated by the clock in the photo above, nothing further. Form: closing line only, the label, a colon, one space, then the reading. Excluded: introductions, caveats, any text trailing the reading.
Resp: 3:28
